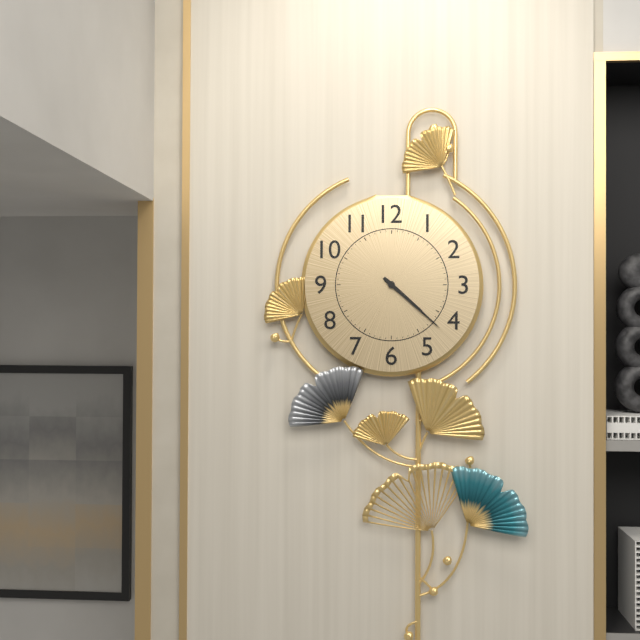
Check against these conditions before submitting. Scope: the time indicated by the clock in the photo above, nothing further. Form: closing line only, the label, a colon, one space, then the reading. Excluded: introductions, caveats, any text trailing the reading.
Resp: 4:22
